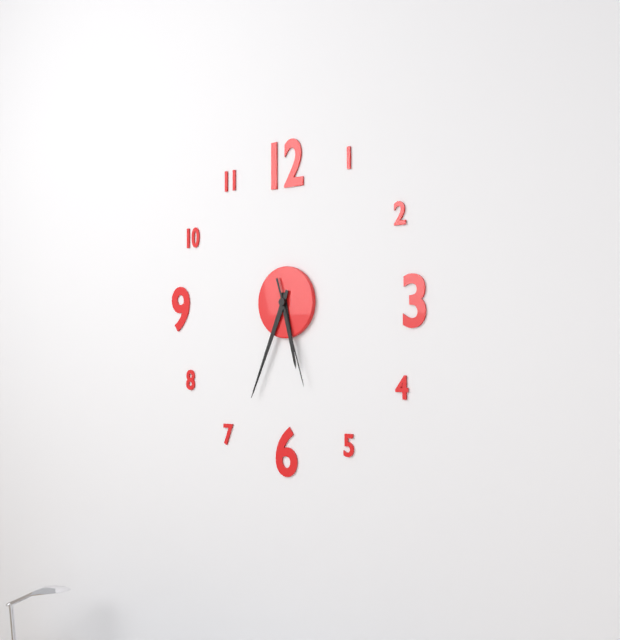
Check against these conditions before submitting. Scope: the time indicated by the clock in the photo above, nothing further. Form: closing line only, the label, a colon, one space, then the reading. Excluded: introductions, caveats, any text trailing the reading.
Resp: 5:34:27
